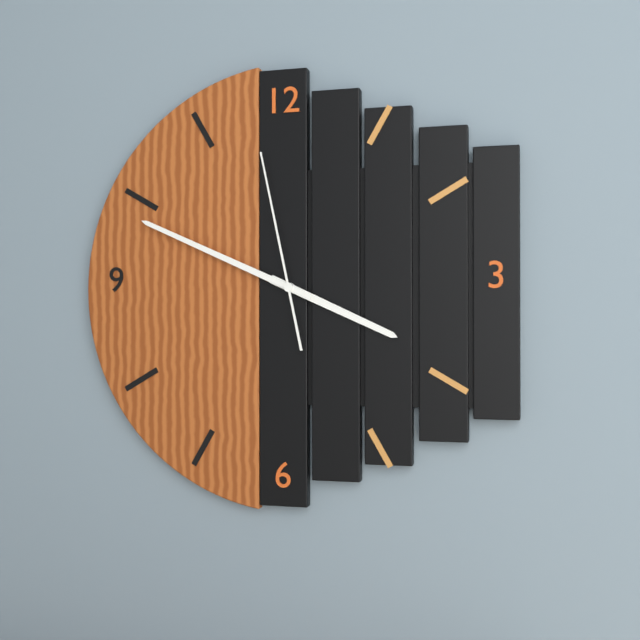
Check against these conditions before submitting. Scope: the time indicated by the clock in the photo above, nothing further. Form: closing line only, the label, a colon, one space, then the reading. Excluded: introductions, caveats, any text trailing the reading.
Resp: 3:49:58
